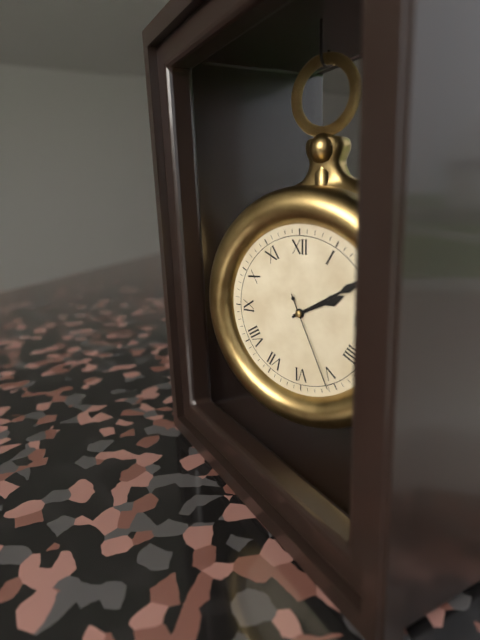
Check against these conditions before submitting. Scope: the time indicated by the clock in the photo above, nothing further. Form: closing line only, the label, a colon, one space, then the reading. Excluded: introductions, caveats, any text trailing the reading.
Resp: 2:10:26
